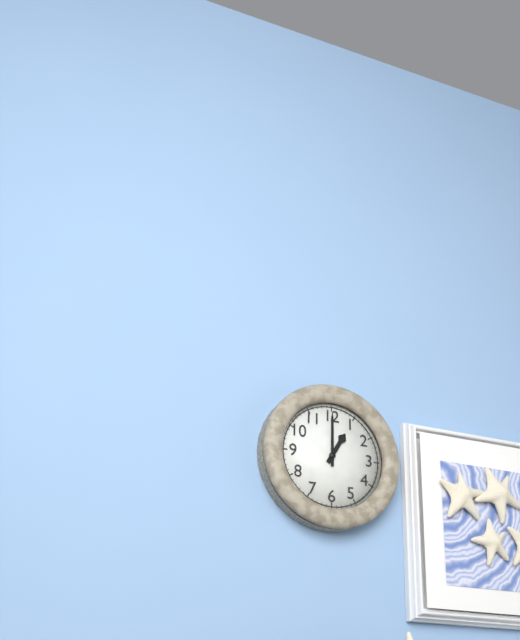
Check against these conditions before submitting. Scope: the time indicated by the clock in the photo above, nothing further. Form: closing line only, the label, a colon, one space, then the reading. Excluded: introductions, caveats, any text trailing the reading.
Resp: 1:00
